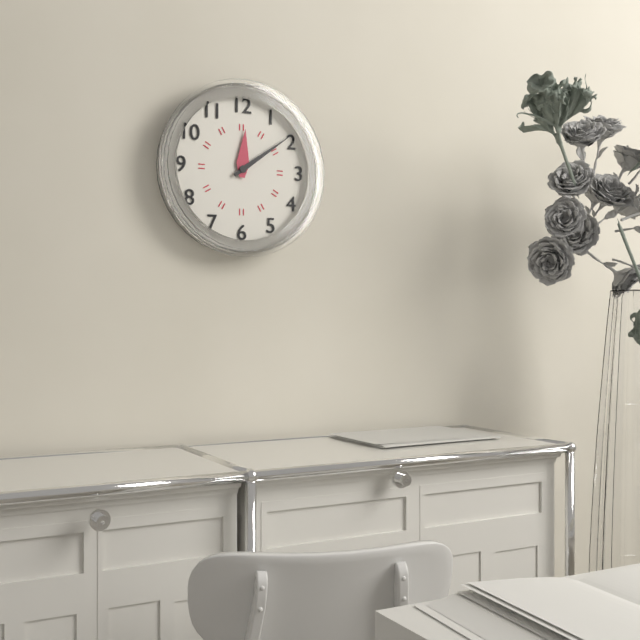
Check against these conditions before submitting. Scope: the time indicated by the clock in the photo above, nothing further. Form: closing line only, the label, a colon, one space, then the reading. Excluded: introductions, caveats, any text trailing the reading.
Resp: 12:09
